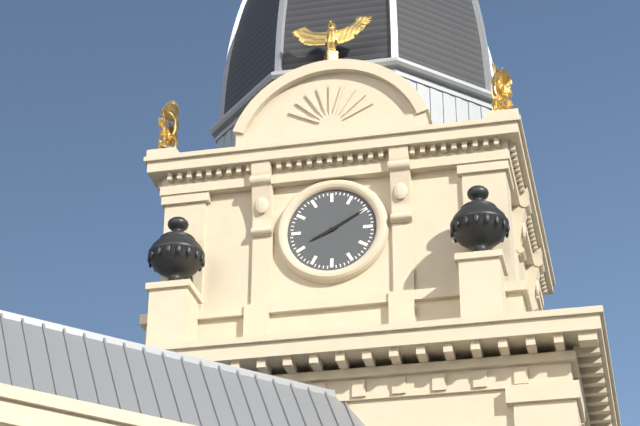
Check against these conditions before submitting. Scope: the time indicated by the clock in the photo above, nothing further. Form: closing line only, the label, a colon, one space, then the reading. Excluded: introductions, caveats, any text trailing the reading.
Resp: 8:10
